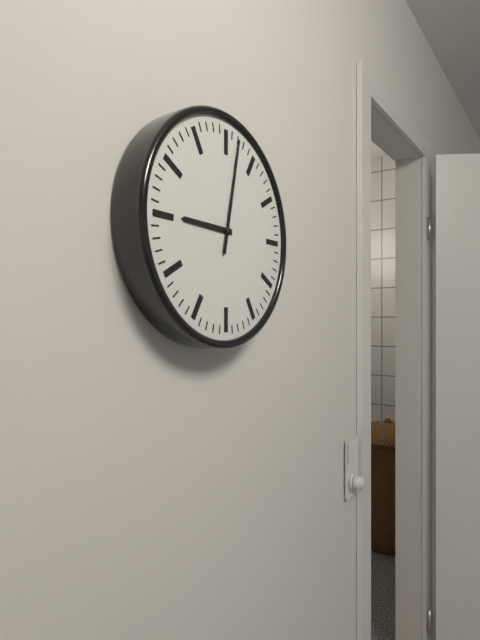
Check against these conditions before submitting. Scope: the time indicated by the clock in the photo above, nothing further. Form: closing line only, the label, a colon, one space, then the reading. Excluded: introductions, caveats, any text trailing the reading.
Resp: 9:02
